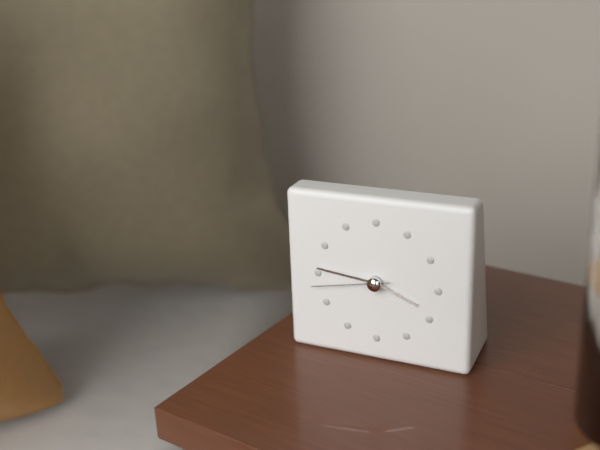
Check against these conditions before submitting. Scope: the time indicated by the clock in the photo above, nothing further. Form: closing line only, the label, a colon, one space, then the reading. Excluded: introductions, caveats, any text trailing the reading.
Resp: 3:46:43
